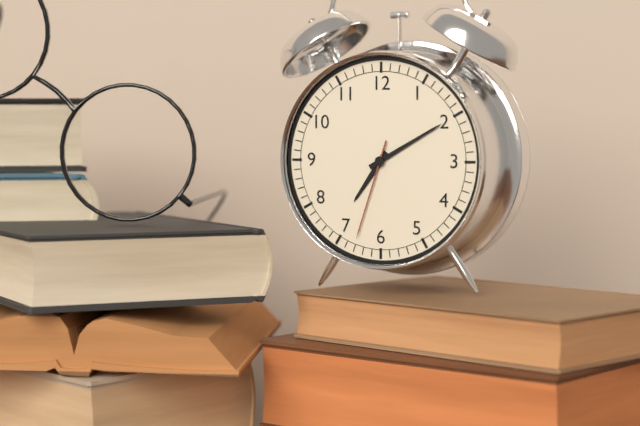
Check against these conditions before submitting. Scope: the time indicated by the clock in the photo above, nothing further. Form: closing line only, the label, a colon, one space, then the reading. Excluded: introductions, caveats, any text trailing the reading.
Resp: 7:10:33
